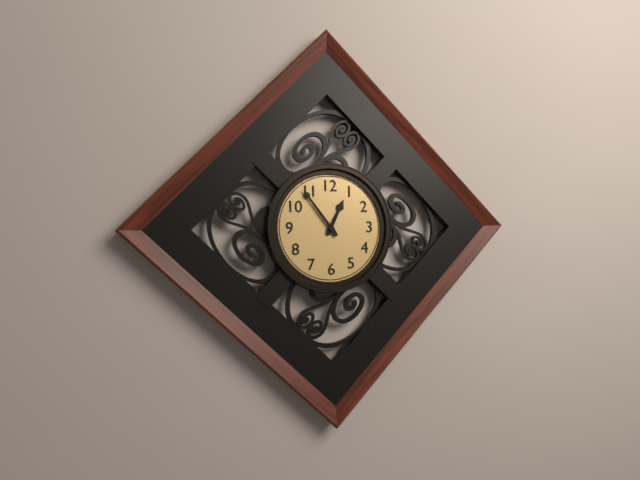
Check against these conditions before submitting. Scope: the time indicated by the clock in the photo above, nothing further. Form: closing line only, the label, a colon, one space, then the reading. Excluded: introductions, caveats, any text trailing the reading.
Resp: 12:54
